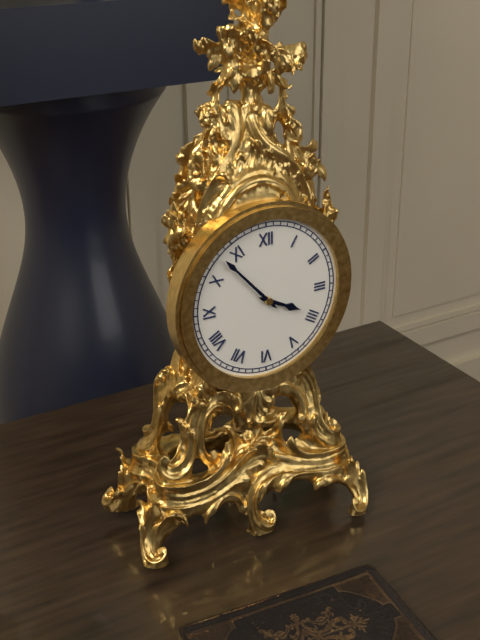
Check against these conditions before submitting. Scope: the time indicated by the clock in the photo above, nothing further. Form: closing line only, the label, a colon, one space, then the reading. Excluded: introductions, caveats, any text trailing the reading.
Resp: 3:53
